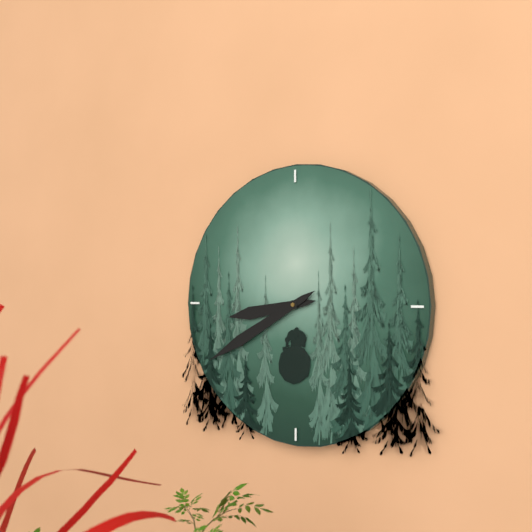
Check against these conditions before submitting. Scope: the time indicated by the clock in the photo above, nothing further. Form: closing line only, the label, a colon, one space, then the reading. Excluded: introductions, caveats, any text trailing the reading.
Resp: 8:40
